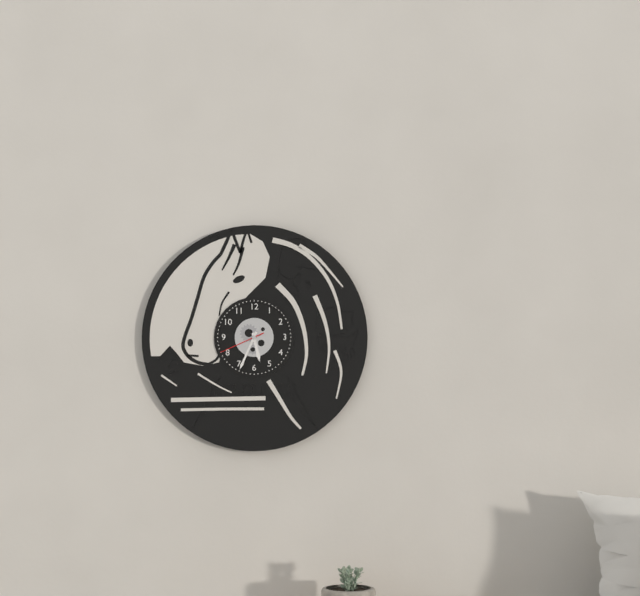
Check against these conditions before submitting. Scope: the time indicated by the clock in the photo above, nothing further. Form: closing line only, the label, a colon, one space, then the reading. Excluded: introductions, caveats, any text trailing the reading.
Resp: 5:34
